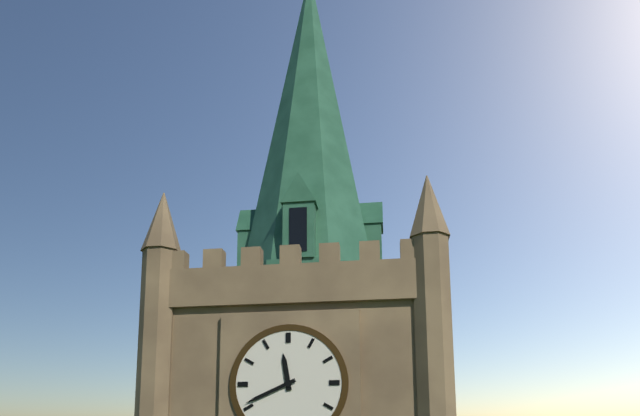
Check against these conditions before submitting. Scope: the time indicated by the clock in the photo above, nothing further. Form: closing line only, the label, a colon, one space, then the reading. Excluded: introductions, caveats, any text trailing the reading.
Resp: 11:41
